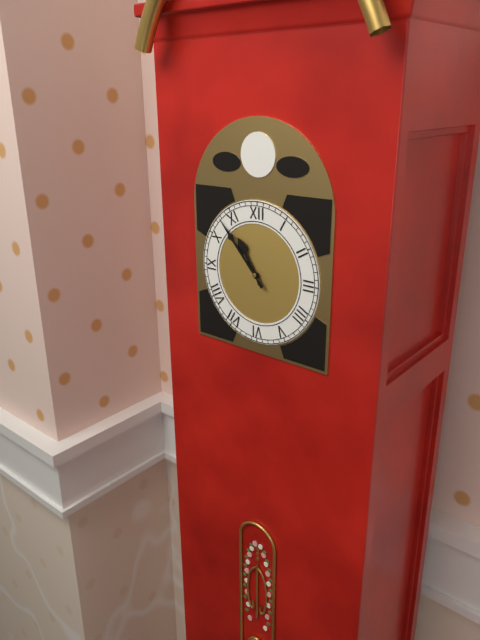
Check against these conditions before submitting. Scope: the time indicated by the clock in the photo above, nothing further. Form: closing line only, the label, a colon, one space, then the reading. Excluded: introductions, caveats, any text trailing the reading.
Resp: 10:53
